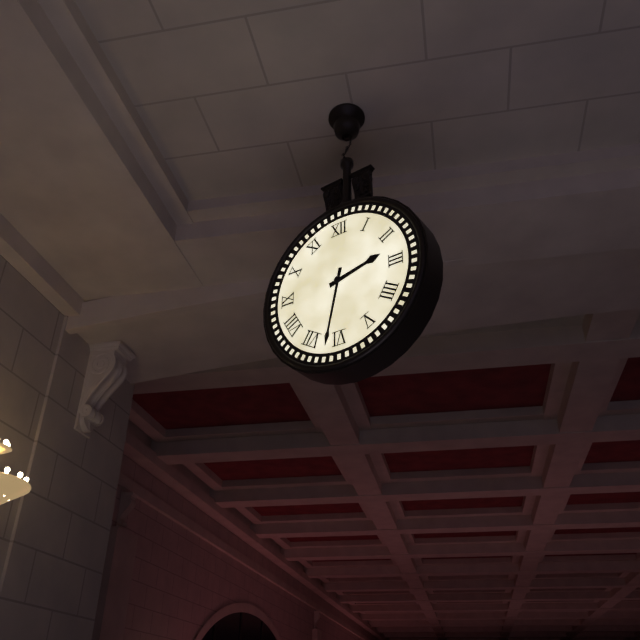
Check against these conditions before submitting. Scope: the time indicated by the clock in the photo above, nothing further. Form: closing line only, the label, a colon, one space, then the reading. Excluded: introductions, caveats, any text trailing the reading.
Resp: 2:32
